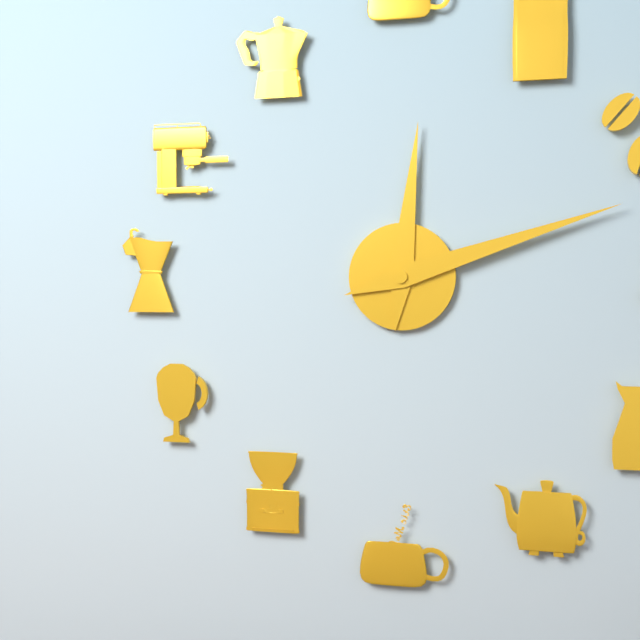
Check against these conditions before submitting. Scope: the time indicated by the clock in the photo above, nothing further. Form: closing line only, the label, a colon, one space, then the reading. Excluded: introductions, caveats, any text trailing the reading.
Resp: 12:12
